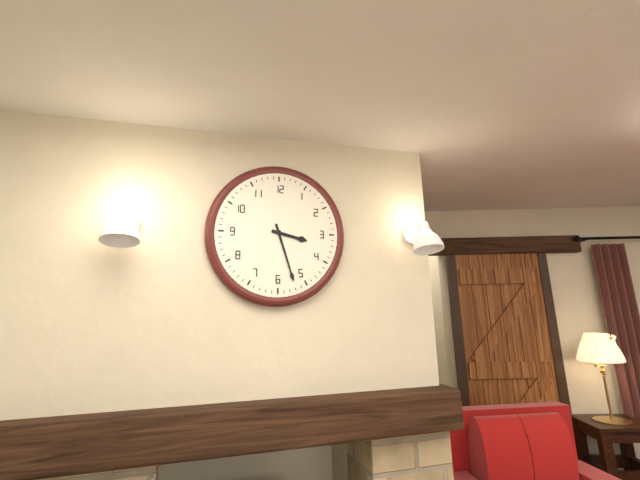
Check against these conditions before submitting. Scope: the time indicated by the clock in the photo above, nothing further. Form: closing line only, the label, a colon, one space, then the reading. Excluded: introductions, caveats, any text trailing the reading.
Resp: 3:27
